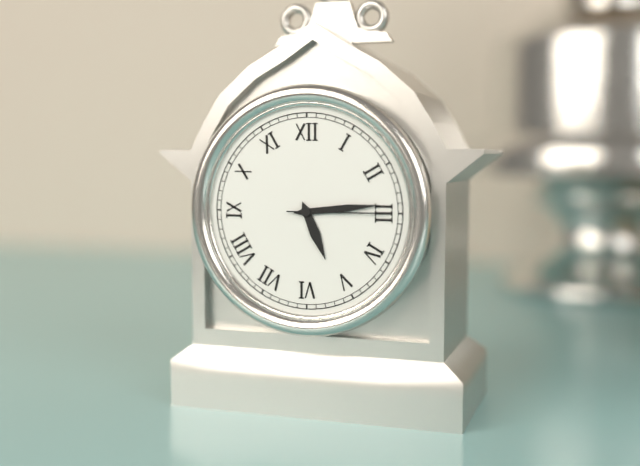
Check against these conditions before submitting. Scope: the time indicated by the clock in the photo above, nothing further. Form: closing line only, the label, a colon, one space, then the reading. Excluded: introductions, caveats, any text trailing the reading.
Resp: 5:14:15
